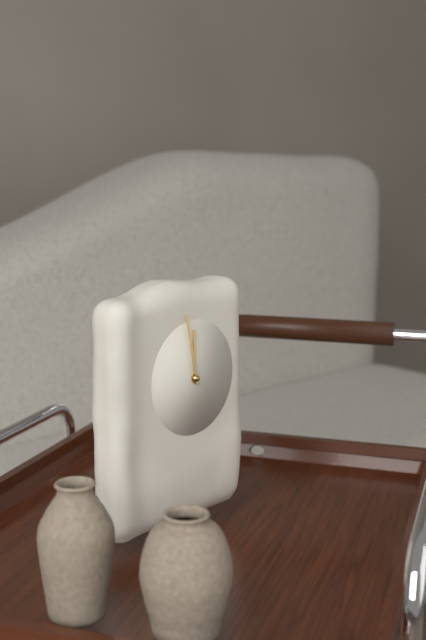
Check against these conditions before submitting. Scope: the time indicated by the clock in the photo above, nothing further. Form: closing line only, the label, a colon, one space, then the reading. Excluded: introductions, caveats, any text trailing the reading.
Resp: 11:58
